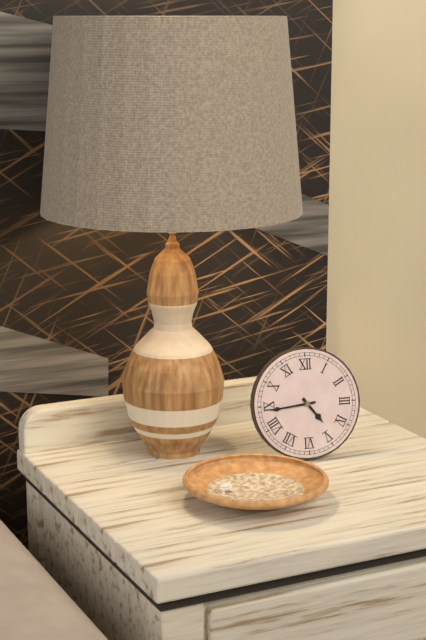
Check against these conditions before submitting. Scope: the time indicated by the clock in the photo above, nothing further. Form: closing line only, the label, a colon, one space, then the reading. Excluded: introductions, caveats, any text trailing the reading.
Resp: 4:44
